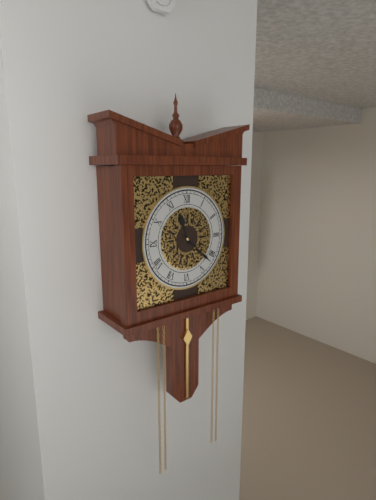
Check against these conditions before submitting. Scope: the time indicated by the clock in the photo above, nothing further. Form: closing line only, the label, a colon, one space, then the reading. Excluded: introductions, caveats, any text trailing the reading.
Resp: 11:22
